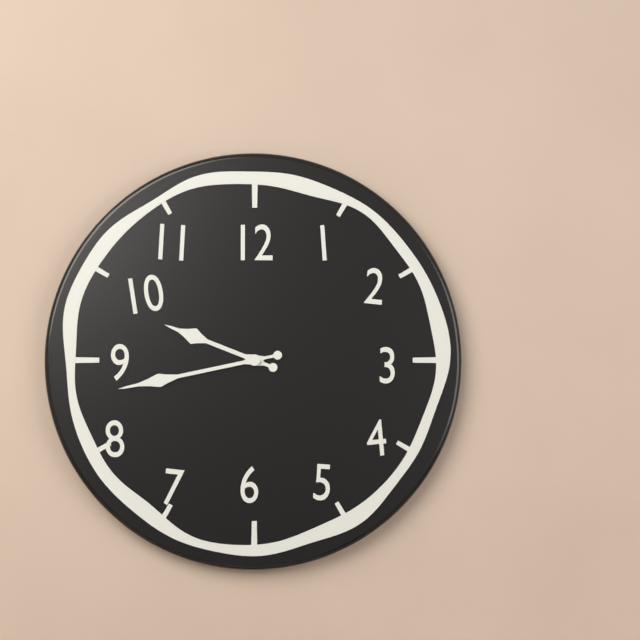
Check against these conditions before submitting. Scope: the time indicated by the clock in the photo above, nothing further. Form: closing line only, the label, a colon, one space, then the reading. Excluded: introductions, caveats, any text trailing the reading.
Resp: 9:43
